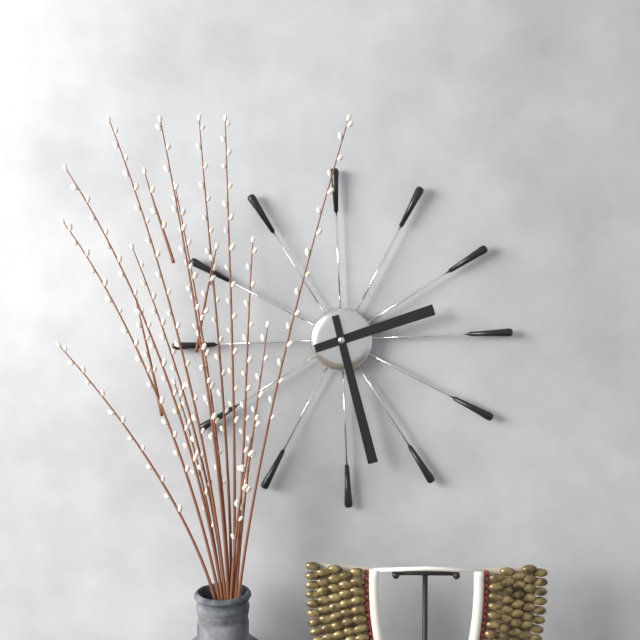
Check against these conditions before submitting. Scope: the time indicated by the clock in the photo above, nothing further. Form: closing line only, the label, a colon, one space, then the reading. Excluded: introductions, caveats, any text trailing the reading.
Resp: 2:28
